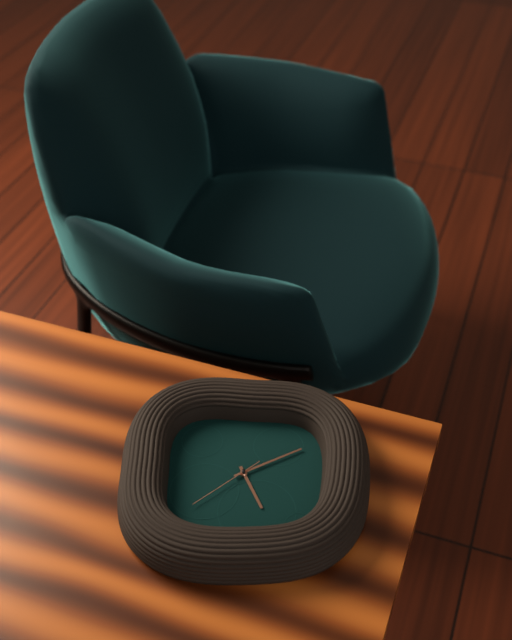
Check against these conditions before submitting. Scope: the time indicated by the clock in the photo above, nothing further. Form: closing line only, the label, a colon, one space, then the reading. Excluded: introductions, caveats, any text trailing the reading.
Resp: 5:10:38
